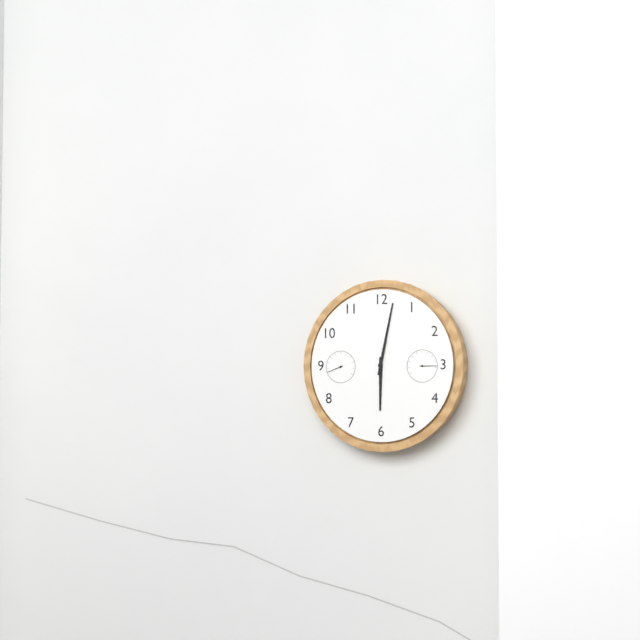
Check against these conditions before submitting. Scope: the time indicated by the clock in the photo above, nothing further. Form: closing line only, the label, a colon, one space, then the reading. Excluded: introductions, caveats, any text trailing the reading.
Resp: 6:02
